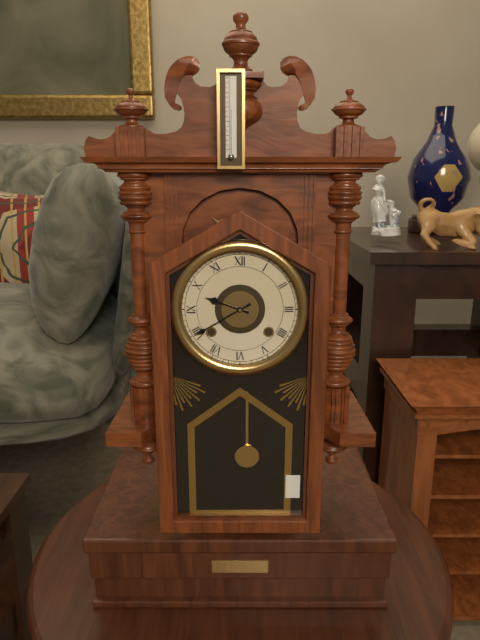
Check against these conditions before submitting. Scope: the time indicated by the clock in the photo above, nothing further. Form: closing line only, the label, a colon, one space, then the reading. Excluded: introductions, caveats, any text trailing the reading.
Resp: 9:40
